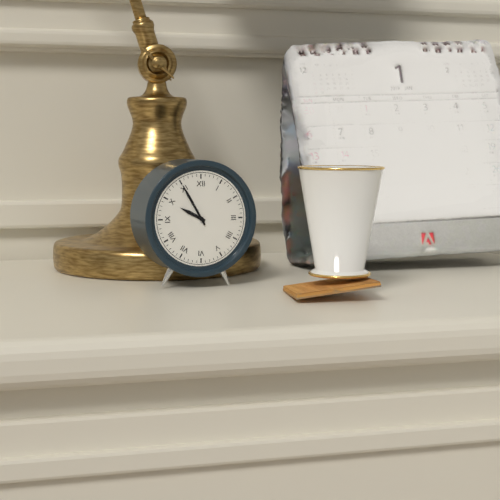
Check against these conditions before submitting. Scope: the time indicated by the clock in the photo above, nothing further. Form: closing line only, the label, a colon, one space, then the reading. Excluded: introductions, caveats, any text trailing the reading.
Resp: 9:55
